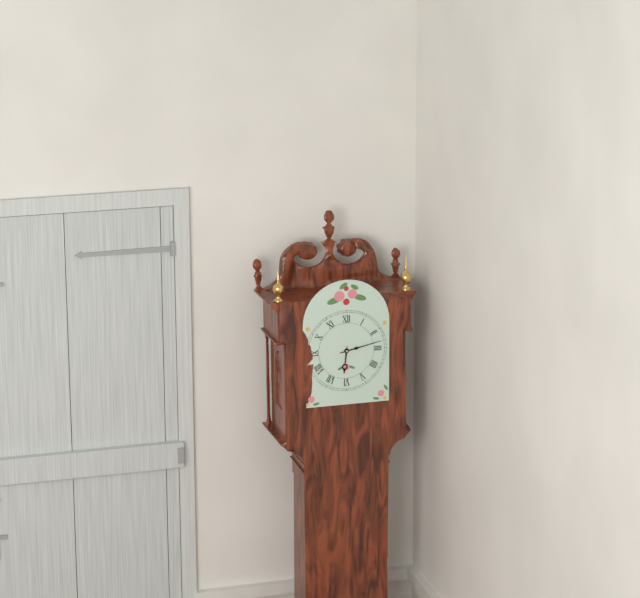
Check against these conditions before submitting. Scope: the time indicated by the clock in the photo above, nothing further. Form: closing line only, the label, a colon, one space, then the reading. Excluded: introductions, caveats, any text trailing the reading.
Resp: 6:13
